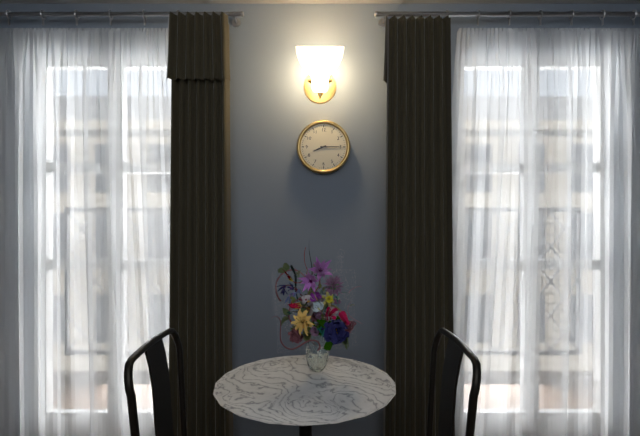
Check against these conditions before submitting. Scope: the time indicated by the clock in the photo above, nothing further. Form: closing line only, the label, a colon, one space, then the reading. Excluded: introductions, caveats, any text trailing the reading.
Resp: 8:15
